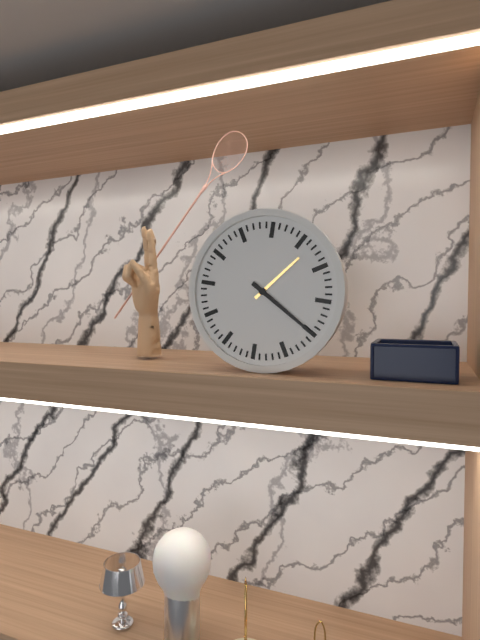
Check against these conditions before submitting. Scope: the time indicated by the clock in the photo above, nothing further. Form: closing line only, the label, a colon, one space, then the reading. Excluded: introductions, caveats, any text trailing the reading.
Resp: 1:20
